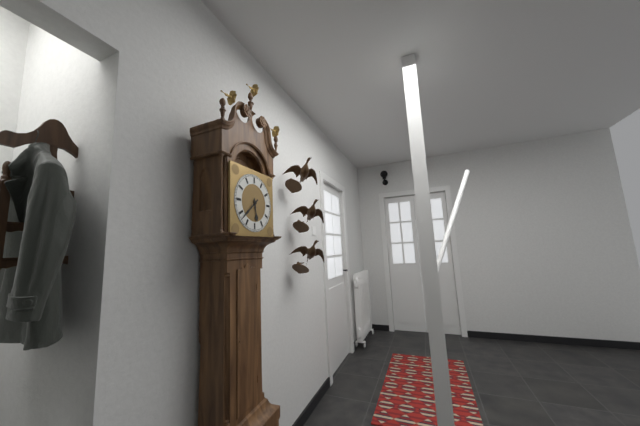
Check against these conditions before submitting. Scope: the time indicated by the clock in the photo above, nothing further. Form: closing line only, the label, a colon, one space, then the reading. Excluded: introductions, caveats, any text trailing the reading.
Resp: 5:38
